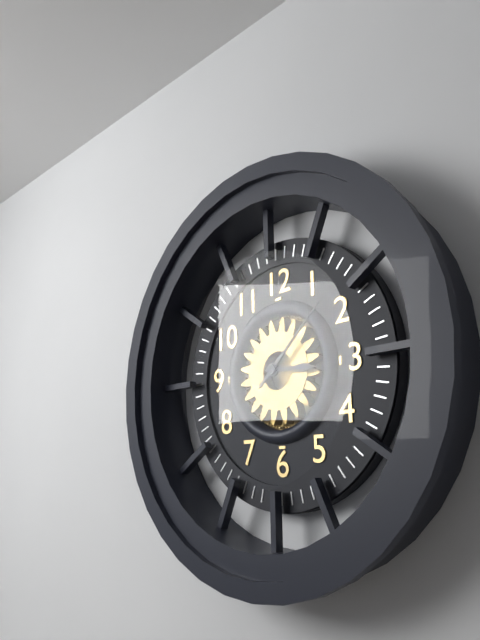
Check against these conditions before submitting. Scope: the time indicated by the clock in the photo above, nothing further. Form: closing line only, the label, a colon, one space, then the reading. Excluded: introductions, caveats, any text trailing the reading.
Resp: 3:08
